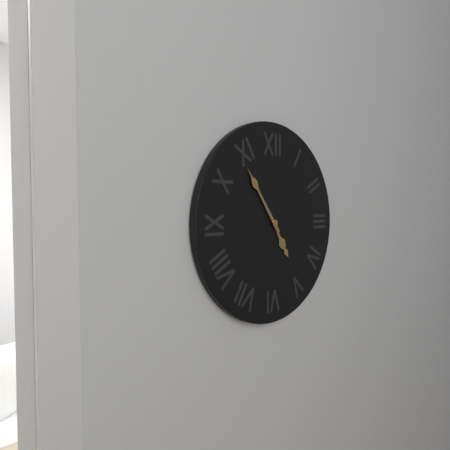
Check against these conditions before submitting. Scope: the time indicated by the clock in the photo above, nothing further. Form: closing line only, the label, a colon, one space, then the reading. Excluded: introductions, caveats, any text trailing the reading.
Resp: 4:54
